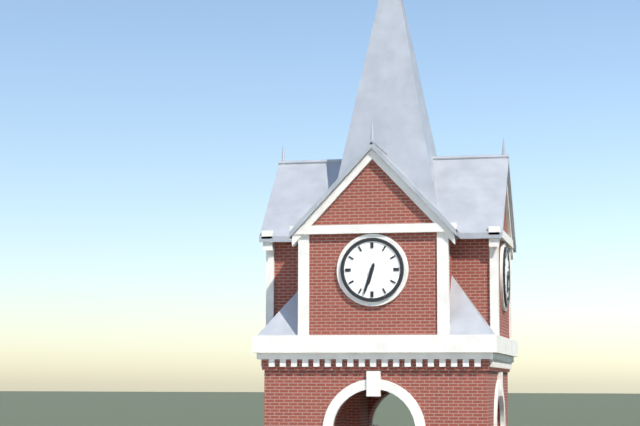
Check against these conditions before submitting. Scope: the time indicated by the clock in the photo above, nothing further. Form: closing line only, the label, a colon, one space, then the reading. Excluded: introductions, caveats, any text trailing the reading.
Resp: 6:33
